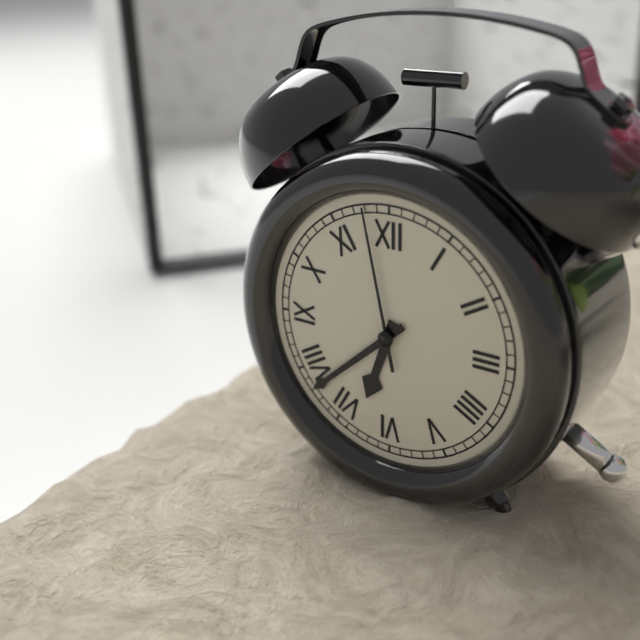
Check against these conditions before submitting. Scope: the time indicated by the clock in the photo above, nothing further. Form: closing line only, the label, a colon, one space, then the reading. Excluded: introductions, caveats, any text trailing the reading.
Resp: 6:38:58
